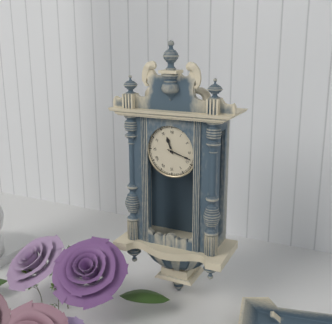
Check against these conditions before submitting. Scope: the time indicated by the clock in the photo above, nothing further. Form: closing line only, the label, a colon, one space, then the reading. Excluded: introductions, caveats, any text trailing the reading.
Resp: 11:18
